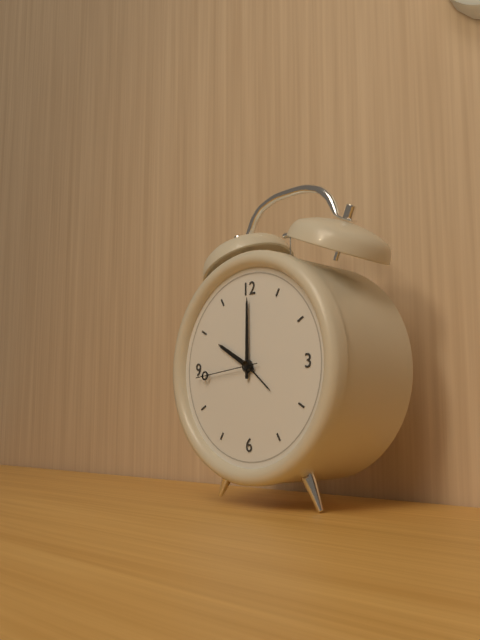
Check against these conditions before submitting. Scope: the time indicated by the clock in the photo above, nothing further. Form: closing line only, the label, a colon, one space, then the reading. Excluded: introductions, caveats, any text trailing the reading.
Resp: 10:00:44
